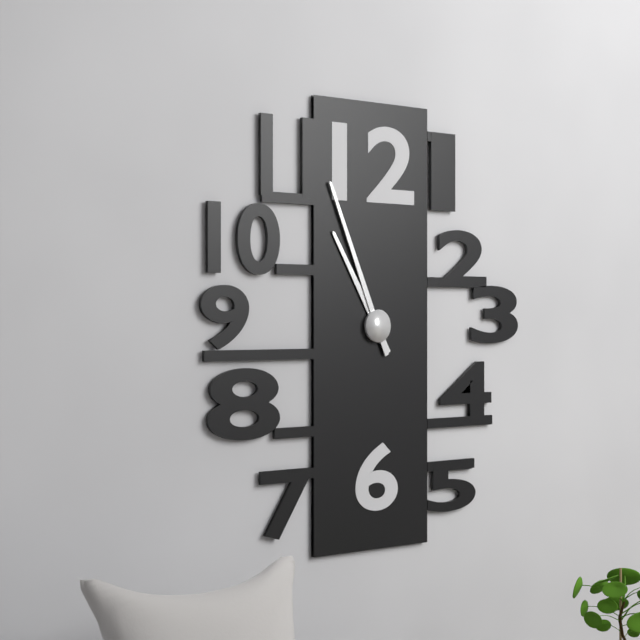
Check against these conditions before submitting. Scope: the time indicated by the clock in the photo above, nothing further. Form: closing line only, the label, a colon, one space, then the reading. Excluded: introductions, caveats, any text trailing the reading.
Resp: 10:56
